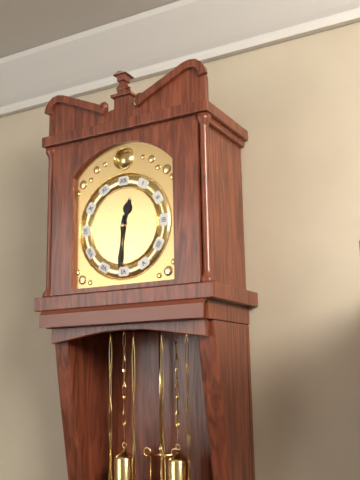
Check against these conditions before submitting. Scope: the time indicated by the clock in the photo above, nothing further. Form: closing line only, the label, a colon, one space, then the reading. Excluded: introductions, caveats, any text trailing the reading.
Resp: 12:31
